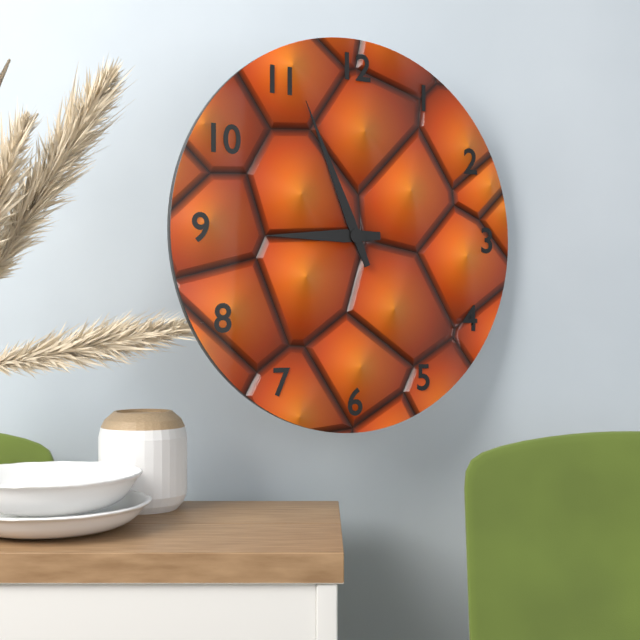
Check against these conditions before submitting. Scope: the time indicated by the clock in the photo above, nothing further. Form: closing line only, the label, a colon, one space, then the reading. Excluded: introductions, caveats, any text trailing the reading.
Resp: 8:56
